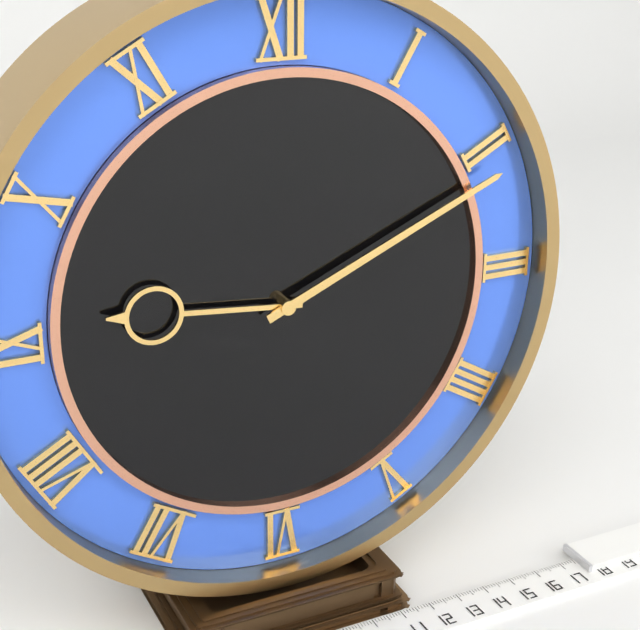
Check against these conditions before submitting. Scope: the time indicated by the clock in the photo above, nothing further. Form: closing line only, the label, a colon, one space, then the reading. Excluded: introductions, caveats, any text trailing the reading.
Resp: 9:11
